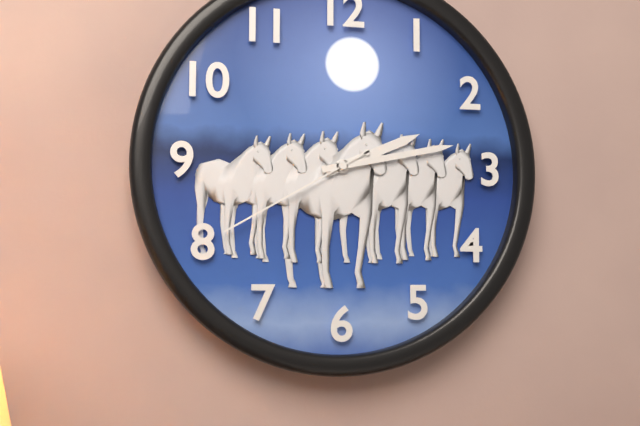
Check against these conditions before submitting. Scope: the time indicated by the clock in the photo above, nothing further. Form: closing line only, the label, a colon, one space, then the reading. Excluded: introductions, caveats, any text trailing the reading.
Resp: 2:13:40
